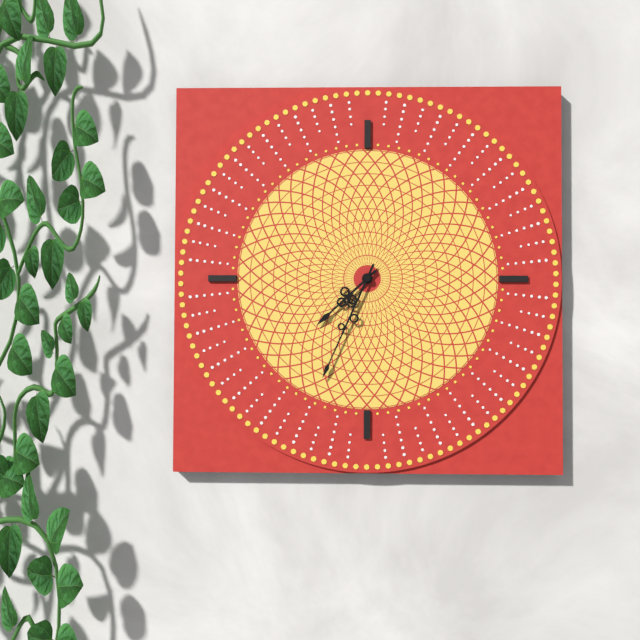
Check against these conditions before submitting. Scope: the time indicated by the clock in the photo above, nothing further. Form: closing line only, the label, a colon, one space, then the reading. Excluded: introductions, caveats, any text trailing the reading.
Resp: 7:34
